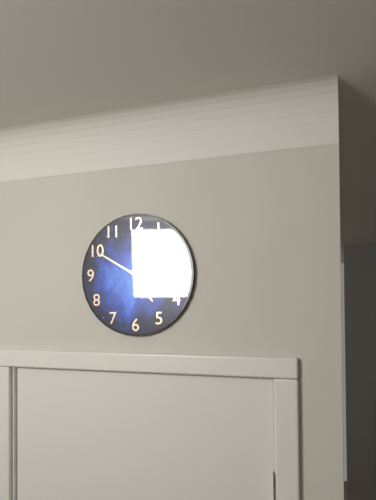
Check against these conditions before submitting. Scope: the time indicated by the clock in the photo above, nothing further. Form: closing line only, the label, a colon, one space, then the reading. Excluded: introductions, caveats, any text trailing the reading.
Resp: 4:50
